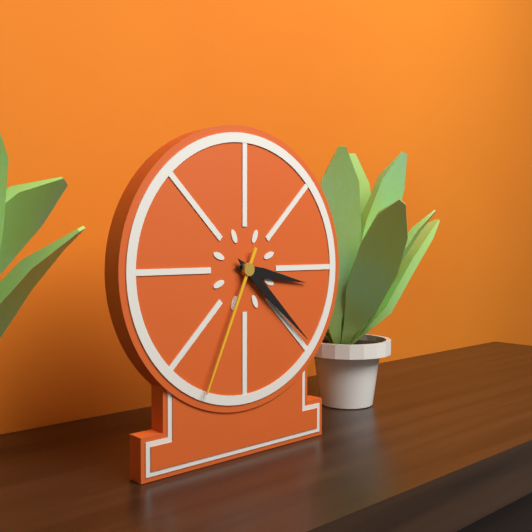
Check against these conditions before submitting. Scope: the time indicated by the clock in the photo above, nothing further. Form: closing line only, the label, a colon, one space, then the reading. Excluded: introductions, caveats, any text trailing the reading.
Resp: 3:22:34
